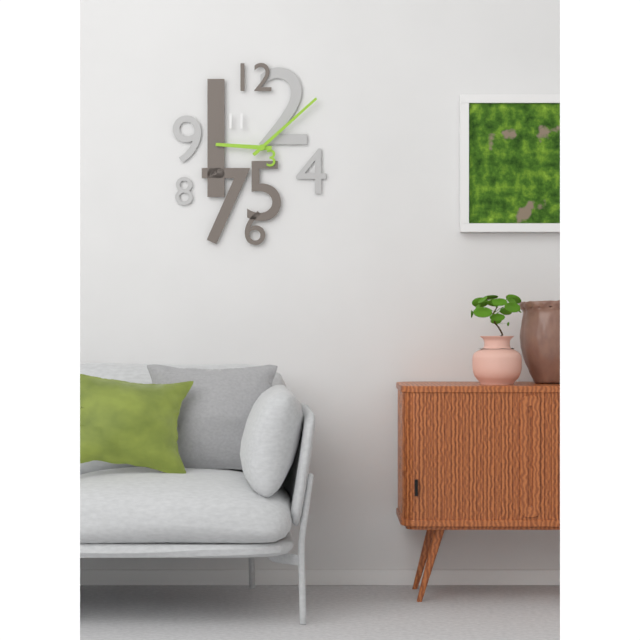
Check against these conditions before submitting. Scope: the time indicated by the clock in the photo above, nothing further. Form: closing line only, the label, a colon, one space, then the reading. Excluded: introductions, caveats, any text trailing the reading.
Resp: 9:08
